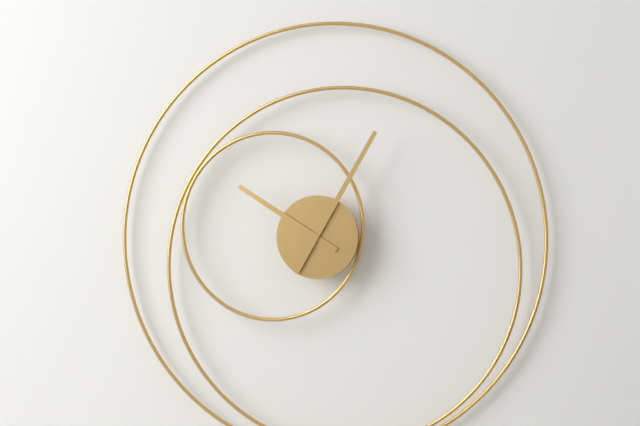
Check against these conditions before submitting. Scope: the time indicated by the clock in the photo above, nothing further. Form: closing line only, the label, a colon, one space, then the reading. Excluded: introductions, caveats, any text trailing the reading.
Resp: 10:05
